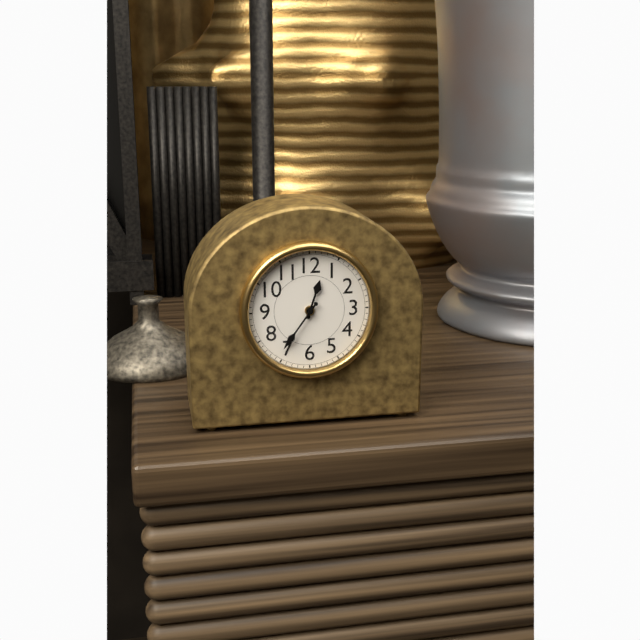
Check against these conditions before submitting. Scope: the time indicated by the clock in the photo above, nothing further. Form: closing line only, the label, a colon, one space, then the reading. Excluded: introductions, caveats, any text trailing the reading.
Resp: 12:36
